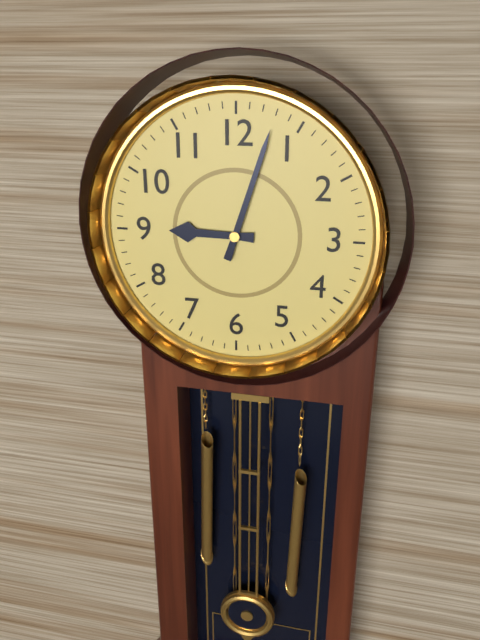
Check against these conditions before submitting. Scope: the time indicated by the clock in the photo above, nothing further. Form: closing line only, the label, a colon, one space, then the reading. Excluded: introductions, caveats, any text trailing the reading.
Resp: 9:03
